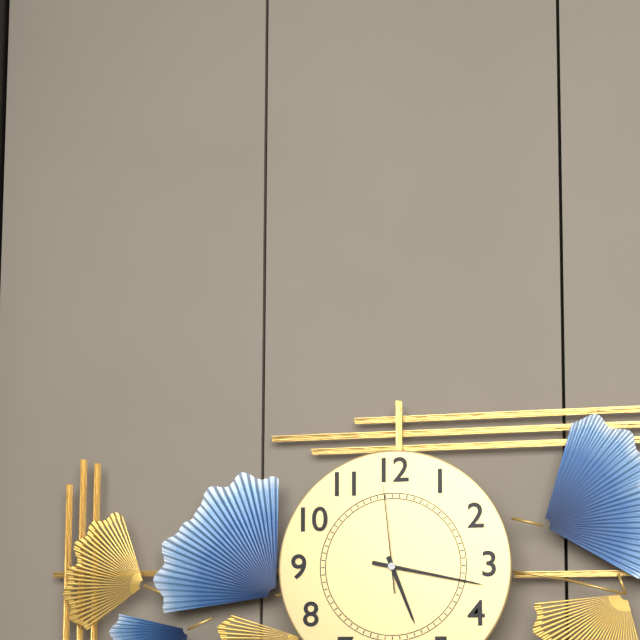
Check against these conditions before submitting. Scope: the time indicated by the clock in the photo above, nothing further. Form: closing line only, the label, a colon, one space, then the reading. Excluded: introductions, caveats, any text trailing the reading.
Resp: 5:17:59
